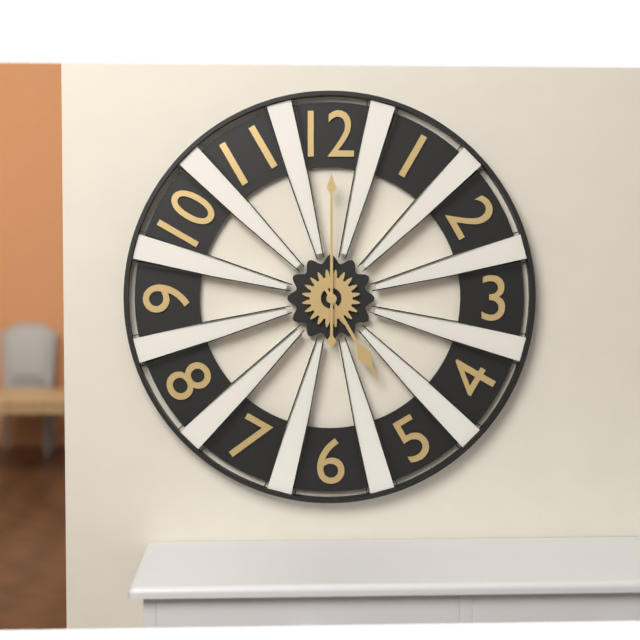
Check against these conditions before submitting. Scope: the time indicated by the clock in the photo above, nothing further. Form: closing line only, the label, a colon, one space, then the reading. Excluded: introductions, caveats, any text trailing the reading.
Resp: 5:00
